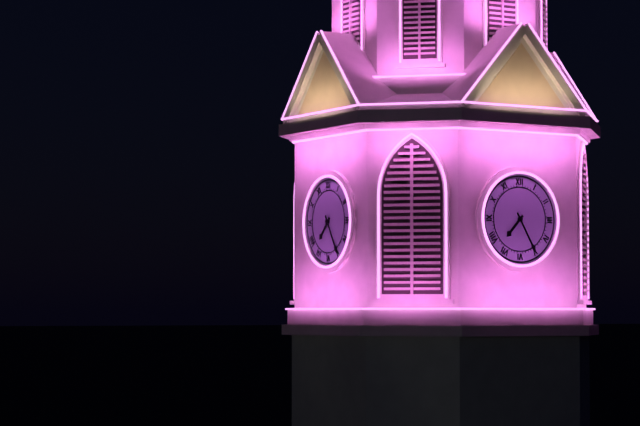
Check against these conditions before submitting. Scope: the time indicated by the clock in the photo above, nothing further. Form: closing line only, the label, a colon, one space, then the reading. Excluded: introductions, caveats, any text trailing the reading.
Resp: 7:25
